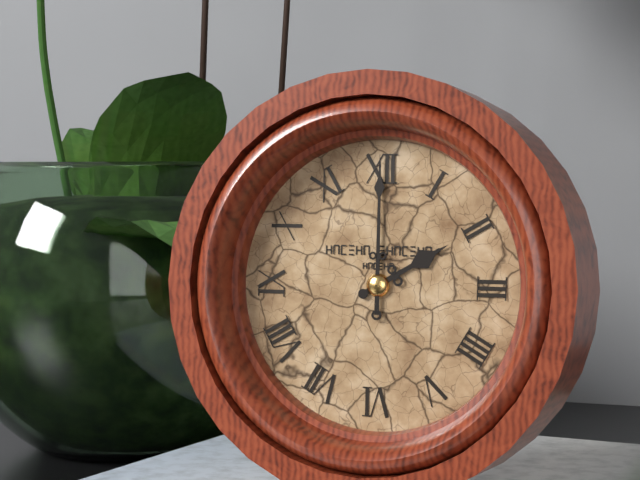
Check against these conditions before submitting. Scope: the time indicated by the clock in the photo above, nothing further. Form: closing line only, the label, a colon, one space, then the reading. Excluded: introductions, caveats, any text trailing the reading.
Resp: 2:00
